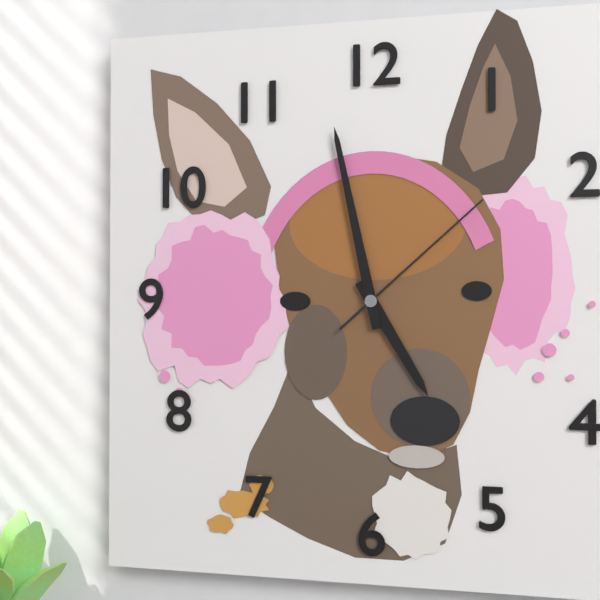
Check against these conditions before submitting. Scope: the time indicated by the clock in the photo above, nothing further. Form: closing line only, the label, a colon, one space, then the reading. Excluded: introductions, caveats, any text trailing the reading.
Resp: 4:58:08
